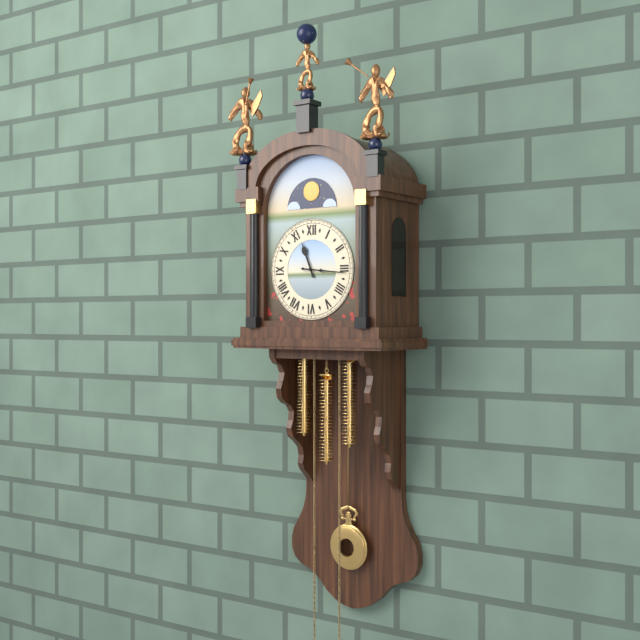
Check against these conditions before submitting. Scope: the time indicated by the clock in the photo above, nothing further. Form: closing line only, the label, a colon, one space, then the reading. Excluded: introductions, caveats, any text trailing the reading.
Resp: 11:16
